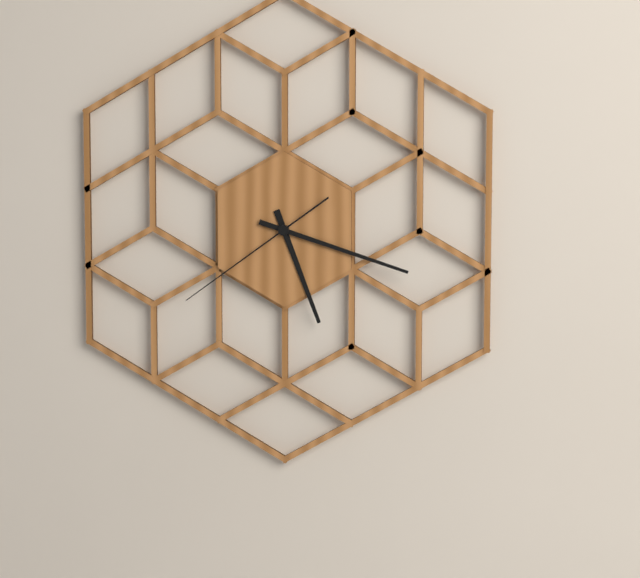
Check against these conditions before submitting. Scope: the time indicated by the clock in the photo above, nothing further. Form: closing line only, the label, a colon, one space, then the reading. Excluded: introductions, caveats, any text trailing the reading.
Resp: 5:18:39
